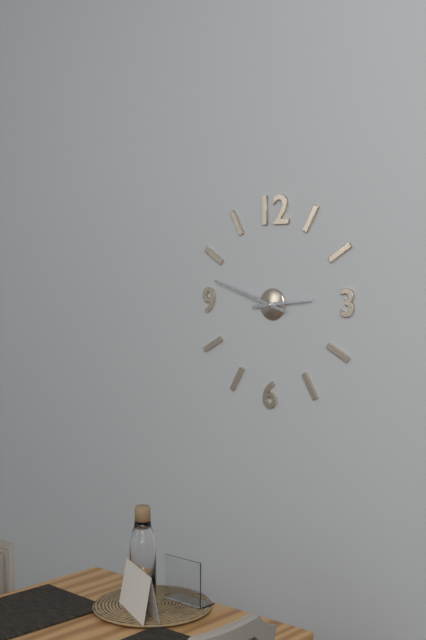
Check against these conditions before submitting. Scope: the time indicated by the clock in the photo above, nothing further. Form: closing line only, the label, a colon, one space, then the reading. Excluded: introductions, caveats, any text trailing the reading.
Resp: 2:48
